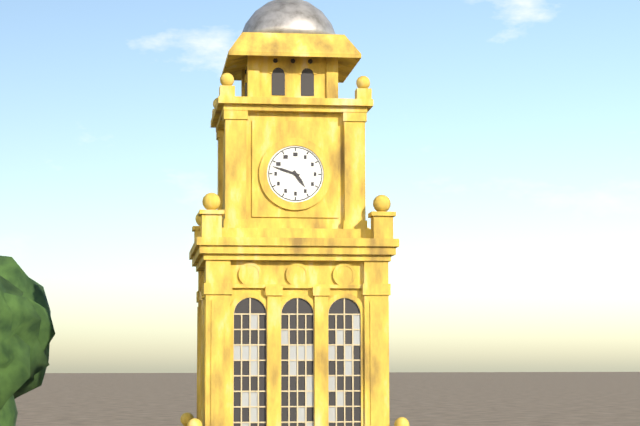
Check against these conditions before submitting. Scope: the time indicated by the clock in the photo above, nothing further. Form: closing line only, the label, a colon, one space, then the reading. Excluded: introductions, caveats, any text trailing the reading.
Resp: 4:48
